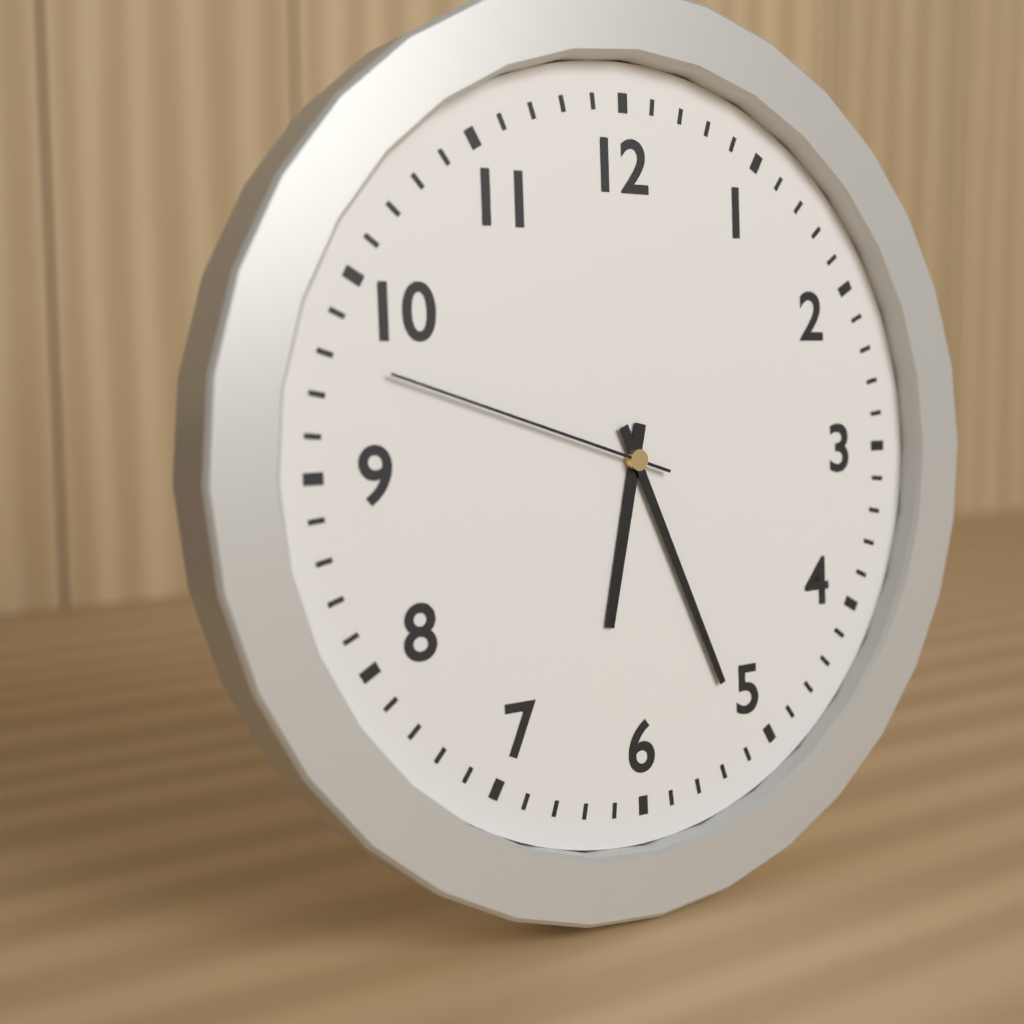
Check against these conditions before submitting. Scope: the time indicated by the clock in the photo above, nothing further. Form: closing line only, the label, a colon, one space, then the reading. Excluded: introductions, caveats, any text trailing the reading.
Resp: 6:26:48
